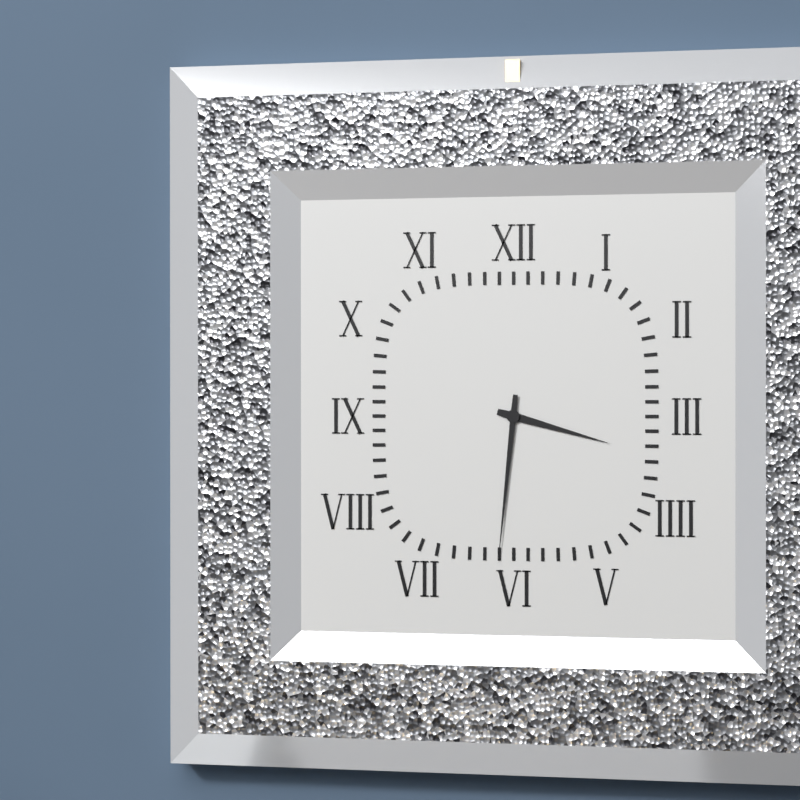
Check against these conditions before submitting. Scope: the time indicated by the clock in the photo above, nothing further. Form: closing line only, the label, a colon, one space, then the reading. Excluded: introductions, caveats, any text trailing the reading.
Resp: 3:31
